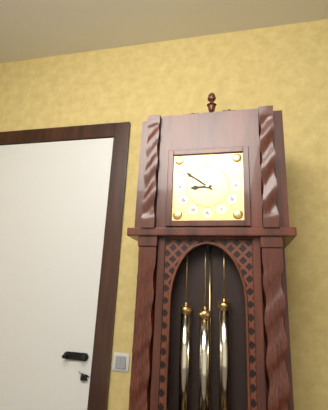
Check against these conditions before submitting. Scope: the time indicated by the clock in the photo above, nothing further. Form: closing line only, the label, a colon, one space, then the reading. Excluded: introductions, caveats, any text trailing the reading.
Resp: 8:51
